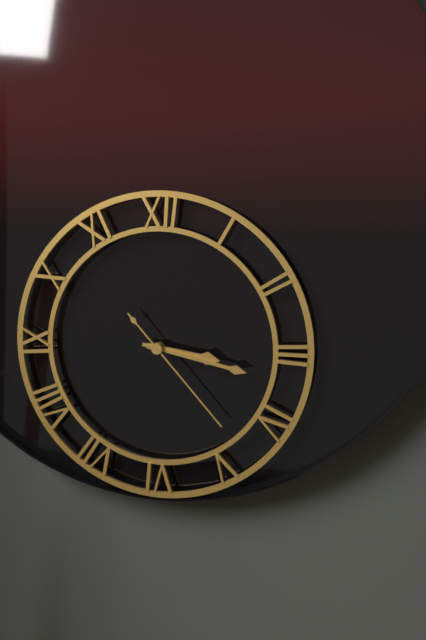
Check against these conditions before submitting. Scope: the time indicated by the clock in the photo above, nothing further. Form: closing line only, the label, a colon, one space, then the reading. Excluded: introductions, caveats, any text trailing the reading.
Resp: 3:17:23
